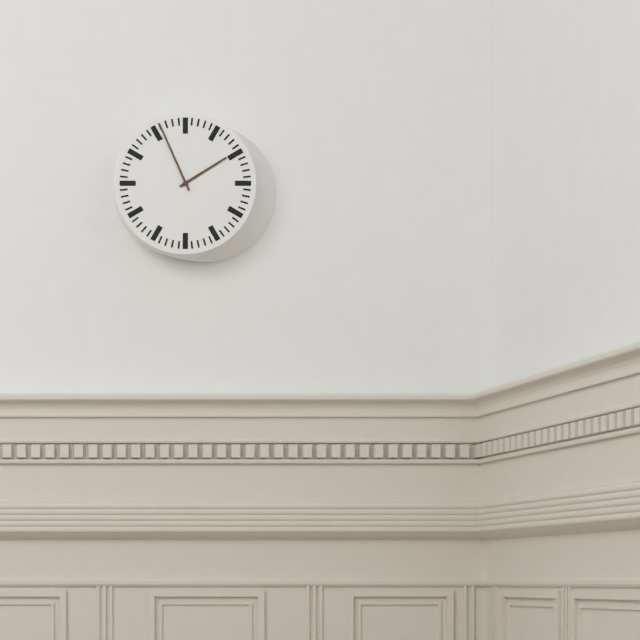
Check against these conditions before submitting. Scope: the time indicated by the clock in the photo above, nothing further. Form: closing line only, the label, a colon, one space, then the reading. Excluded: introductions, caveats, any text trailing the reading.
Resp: 1:56
